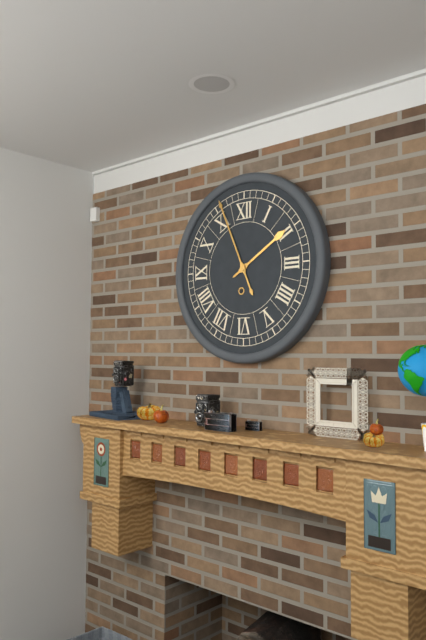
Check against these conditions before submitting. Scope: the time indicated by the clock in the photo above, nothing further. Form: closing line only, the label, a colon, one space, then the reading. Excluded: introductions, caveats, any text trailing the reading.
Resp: 1:56
